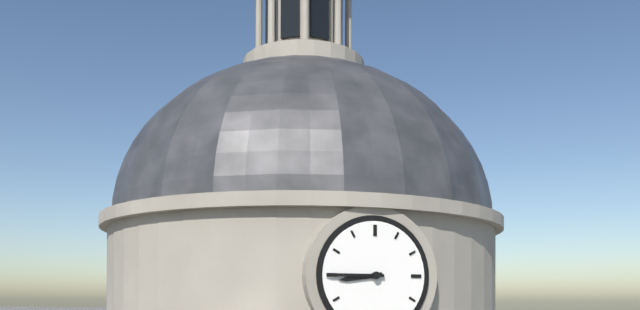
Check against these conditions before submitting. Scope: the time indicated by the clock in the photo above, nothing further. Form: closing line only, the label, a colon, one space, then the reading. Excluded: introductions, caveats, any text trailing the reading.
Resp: 8:45
